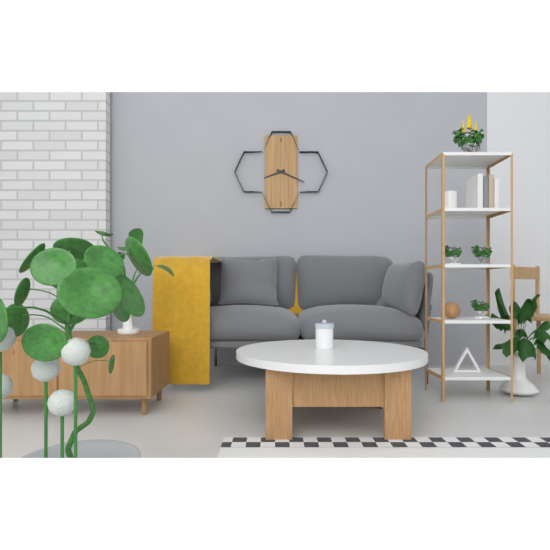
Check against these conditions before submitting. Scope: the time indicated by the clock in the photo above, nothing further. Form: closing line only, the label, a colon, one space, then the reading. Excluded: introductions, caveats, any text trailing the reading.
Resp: 8:19
